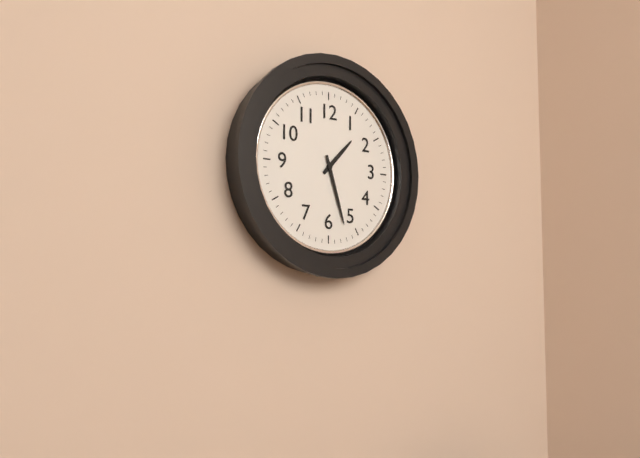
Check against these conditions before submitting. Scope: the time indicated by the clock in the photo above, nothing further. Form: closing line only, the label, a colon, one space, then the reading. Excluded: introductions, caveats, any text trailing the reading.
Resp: 1:27
